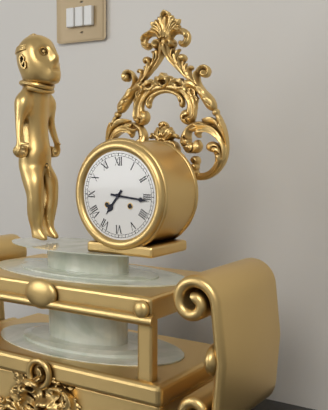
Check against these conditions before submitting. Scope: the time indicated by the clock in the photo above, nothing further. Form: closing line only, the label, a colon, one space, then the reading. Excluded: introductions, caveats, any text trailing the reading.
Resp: 7:16
